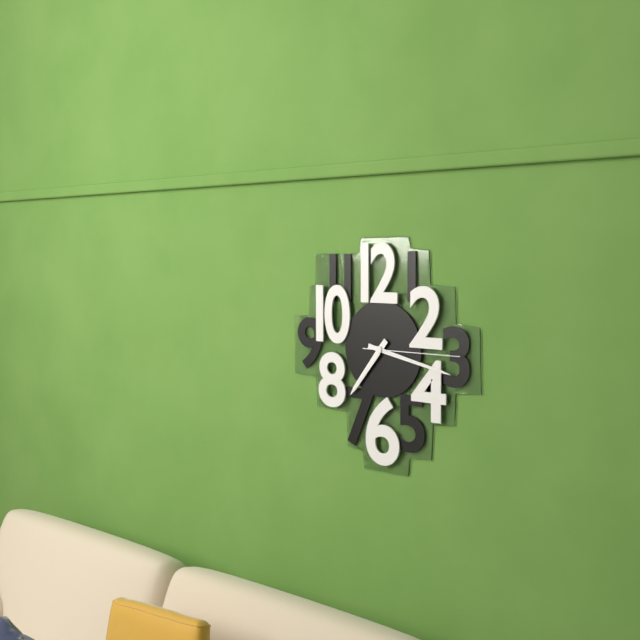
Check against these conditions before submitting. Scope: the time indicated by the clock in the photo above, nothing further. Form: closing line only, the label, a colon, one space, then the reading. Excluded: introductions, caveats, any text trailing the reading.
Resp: 7:17:15
